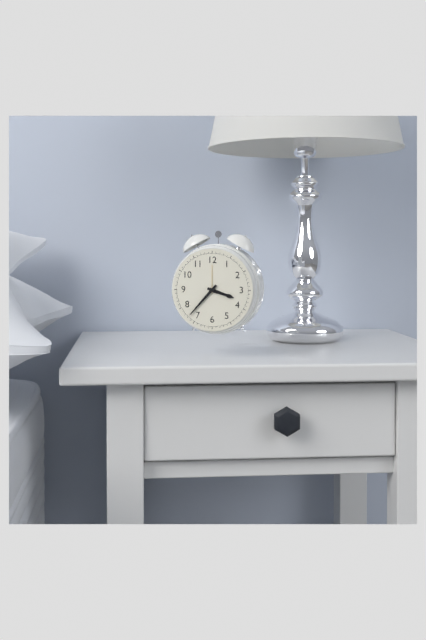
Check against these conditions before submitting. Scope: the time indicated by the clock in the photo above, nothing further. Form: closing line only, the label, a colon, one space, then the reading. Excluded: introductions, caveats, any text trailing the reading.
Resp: 3:37
